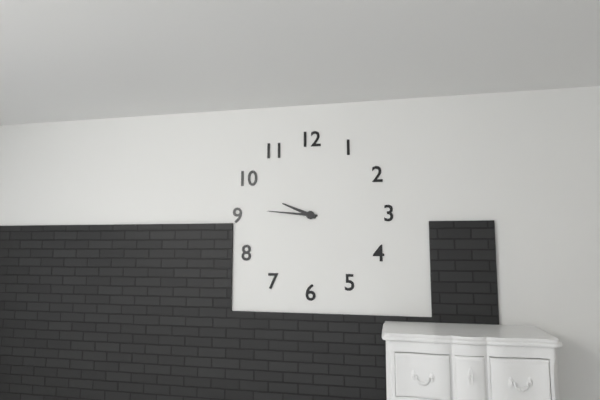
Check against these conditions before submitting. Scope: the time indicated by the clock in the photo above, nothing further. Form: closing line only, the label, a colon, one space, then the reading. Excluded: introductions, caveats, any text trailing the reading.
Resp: 9:46
